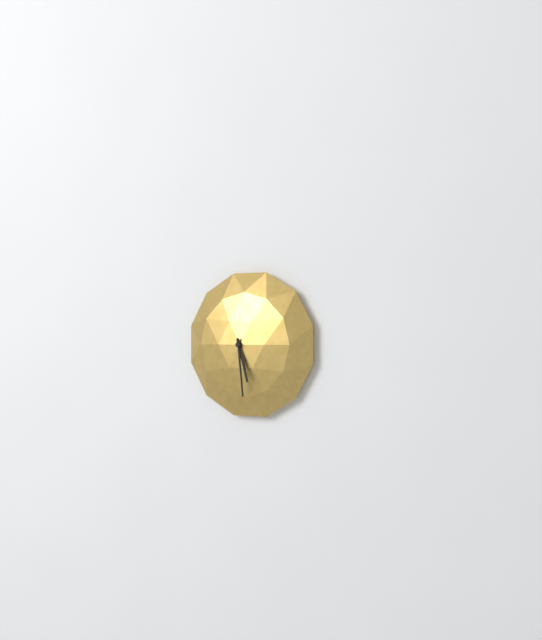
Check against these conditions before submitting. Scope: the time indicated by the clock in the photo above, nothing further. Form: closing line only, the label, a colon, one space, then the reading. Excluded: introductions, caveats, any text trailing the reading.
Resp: 5:29
